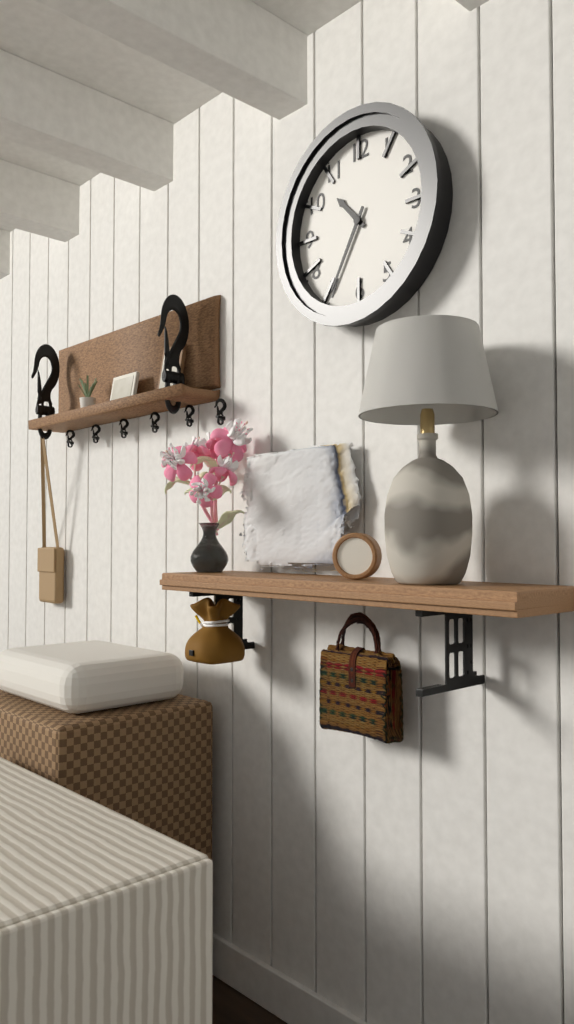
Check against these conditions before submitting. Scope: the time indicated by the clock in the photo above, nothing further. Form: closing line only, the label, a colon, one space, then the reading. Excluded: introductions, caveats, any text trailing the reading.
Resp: 10:35
